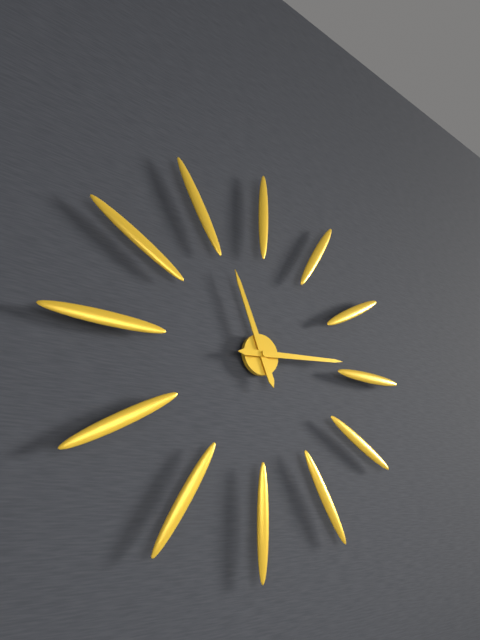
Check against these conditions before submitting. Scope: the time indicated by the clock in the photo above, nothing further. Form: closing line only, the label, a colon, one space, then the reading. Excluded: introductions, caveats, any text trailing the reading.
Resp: 11:14
